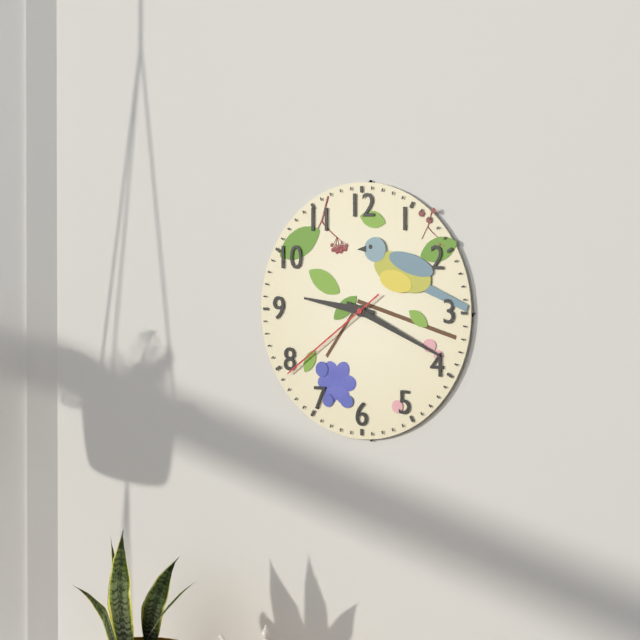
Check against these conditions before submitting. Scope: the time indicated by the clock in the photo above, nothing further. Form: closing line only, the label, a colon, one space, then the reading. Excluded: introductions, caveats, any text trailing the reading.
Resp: 9:19:39
